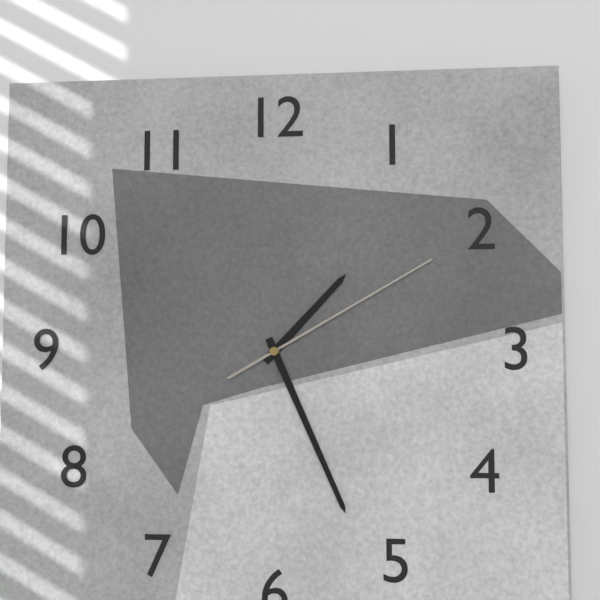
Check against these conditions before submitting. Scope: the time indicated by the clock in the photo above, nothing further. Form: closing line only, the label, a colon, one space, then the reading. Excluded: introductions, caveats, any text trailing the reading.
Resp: 1:26:10
